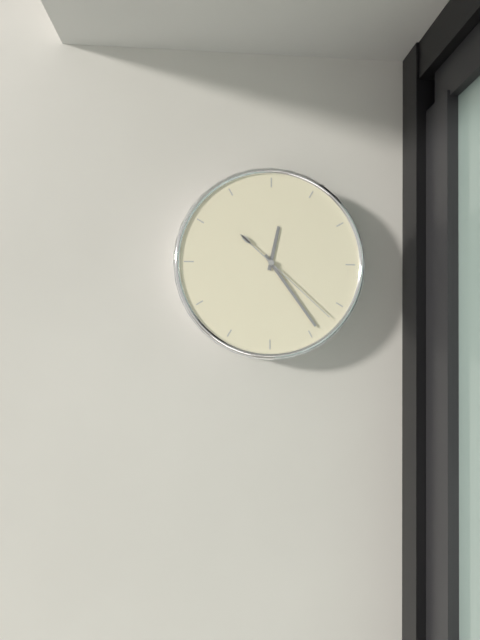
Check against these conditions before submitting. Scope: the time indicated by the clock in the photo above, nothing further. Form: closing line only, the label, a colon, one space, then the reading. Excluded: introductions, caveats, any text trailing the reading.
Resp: 12:24:22
